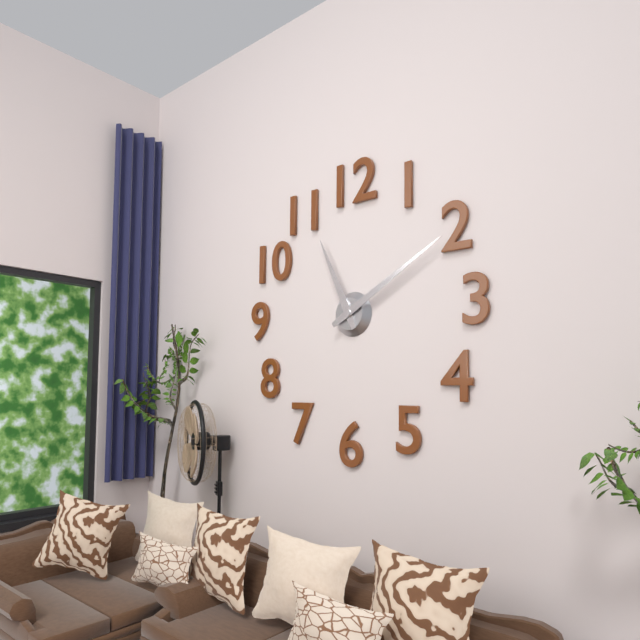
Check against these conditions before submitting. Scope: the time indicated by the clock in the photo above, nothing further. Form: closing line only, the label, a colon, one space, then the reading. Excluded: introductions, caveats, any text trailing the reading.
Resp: 11:10
